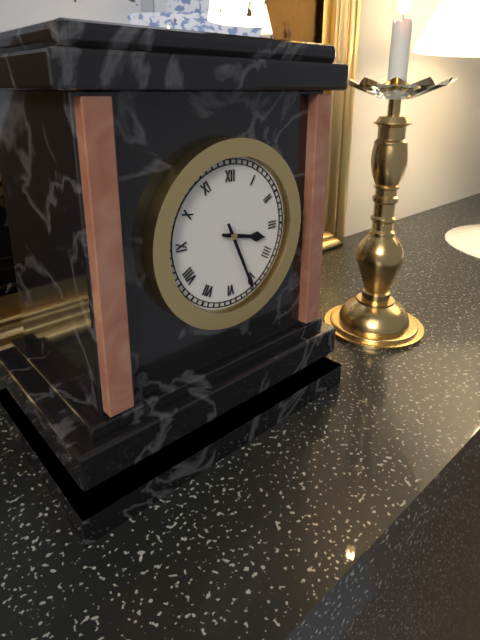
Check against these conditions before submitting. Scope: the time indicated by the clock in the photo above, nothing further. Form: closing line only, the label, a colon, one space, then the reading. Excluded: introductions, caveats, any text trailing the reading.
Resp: 3:26
